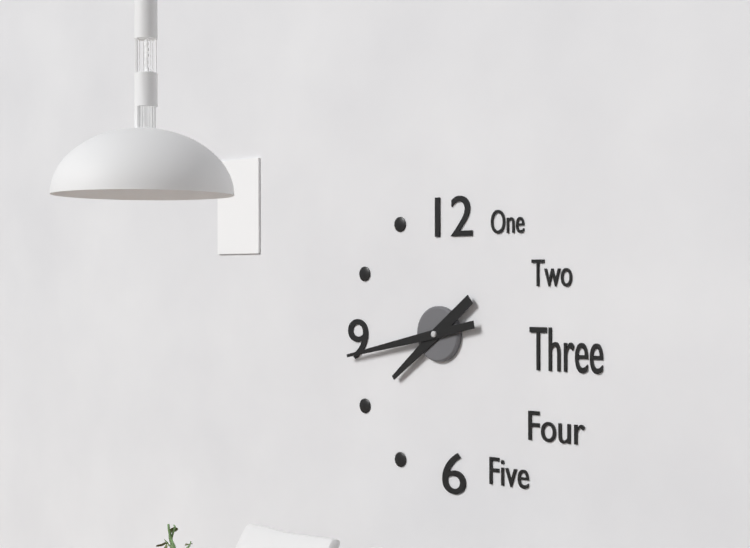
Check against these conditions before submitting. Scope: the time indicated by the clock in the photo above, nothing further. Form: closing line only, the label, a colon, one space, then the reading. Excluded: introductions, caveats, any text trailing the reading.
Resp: 7:43
